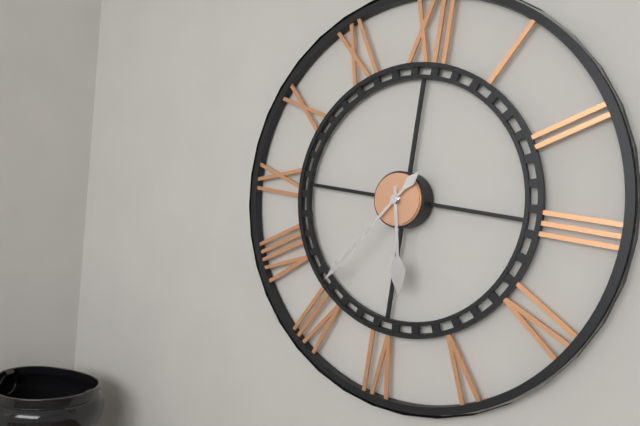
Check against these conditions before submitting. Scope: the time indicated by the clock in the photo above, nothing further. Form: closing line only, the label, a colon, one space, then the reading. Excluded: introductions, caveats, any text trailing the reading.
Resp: 5:36
